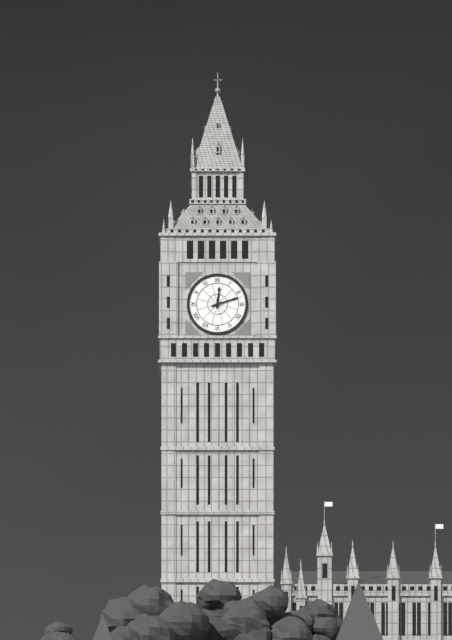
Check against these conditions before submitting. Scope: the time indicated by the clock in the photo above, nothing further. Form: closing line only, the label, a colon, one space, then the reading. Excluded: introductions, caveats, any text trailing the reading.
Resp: 12:12
